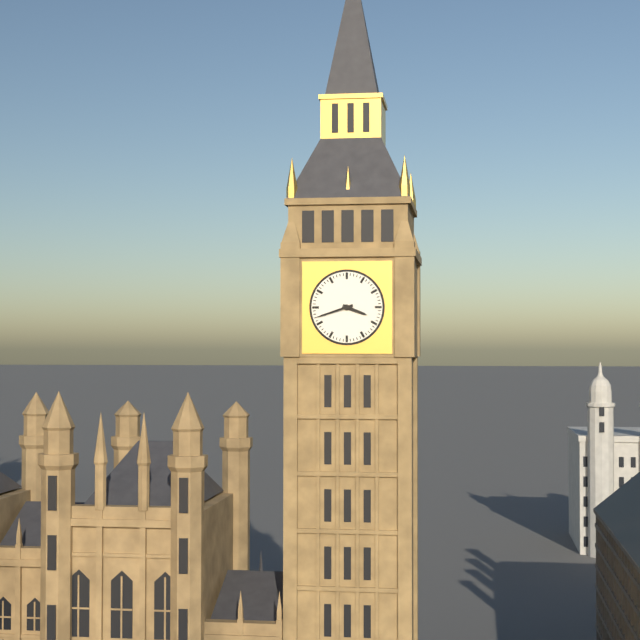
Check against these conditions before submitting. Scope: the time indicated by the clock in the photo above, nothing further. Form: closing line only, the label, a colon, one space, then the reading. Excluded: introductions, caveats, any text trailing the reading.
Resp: 3:42
